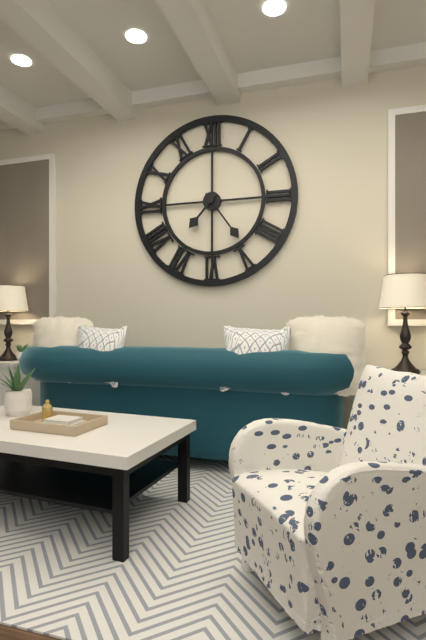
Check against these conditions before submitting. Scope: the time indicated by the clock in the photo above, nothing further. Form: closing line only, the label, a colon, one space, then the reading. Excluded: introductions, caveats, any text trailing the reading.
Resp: 7:24
